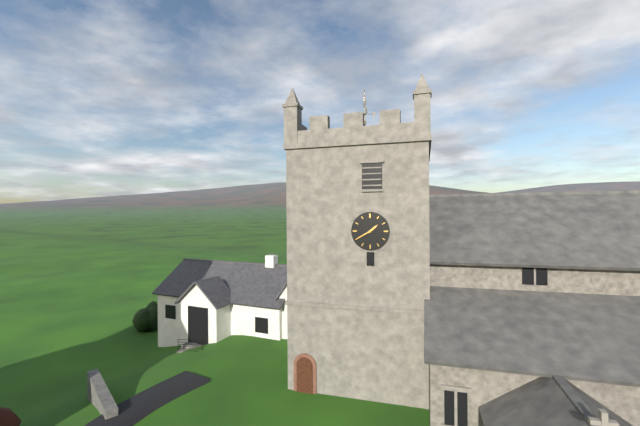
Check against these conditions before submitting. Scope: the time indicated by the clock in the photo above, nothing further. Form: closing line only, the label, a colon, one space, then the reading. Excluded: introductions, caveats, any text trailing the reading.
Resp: 1:40
